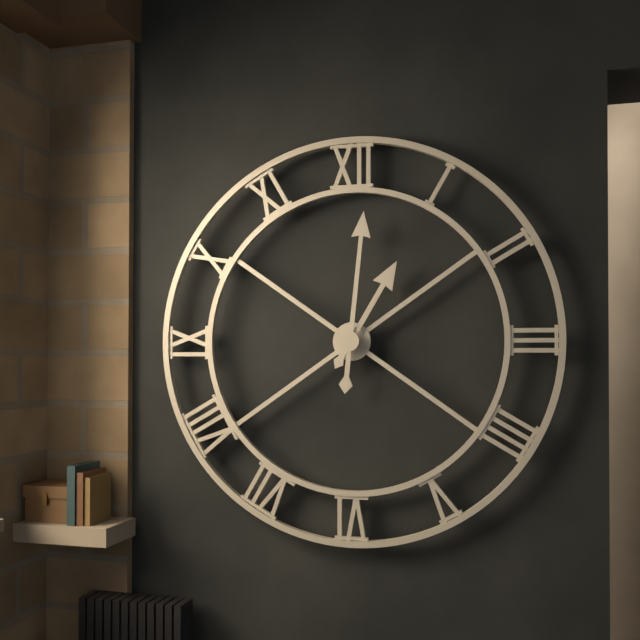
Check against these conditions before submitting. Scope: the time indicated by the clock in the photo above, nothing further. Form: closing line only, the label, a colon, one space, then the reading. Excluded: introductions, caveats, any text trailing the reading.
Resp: 1:01
